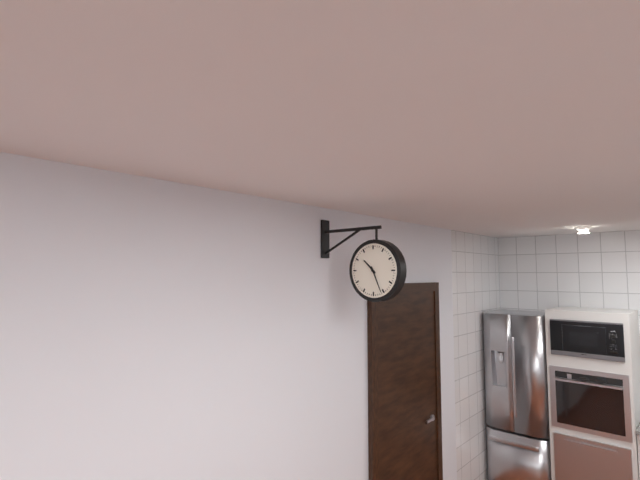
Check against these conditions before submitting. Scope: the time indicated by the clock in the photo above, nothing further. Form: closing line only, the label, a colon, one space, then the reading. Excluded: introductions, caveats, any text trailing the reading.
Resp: 10:26
